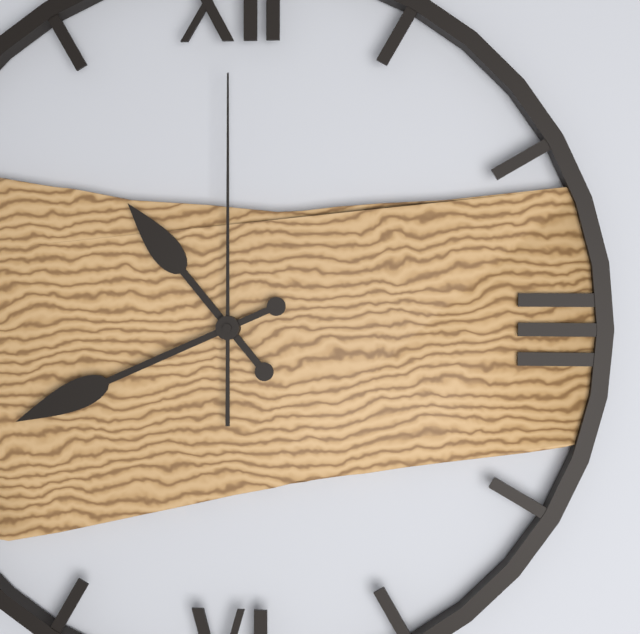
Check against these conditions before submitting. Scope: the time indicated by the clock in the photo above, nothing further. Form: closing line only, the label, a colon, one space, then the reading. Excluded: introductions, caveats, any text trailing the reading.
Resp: 10:41:00
